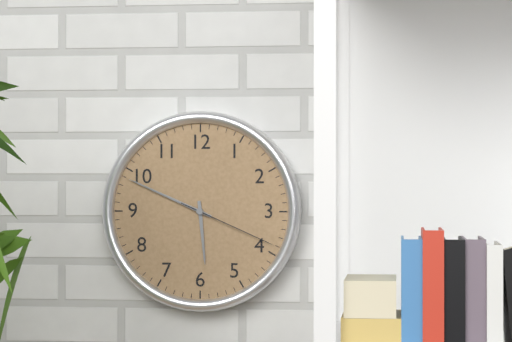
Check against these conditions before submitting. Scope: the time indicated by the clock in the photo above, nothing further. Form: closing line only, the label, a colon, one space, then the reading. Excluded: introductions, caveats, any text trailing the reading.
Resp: 5:49:19
